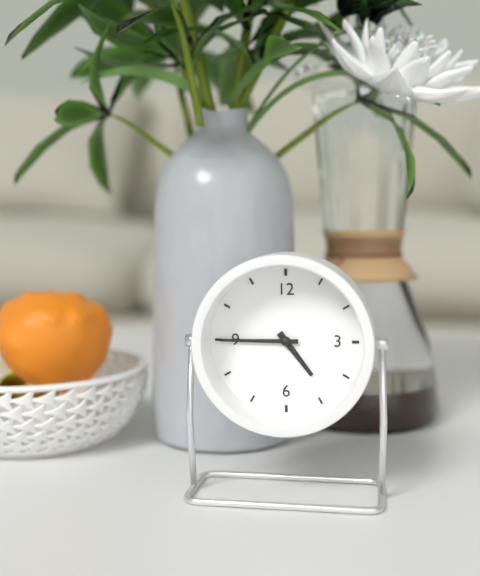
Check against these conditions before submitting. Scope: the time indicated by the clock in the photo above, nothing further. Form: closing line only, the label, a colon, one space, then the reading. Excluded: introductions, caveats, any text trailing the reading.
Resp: 4:45
